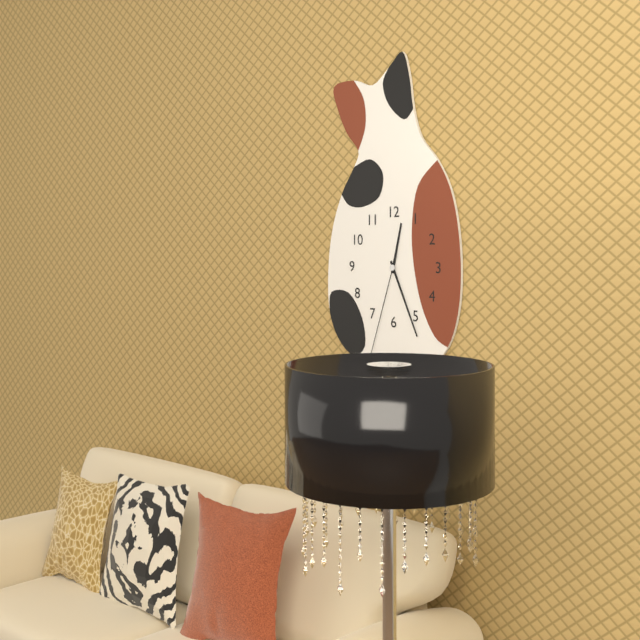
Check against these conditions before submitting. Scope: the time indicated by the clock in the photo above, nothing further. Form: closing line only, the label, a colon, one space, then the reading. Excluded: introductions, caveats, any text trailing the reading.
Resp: 12:26:33
